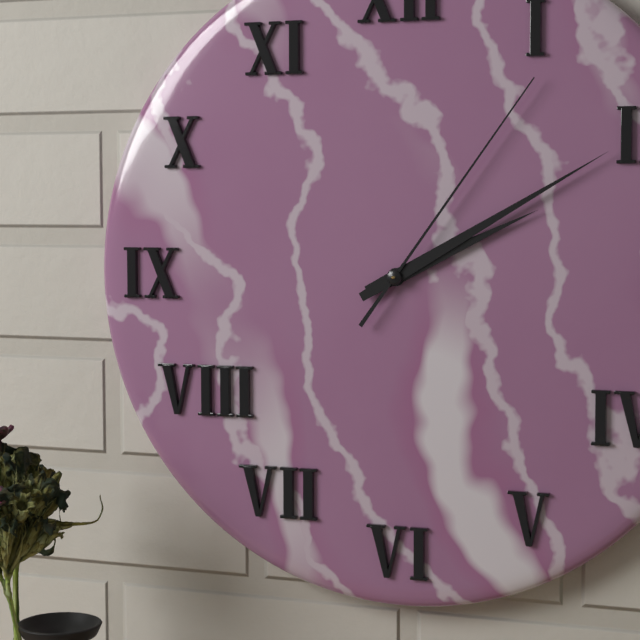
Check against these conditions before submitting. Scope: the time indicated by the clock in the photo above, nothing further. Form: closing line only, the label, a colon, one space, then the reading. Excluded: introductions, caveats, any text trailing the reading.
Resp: 2:10:06
